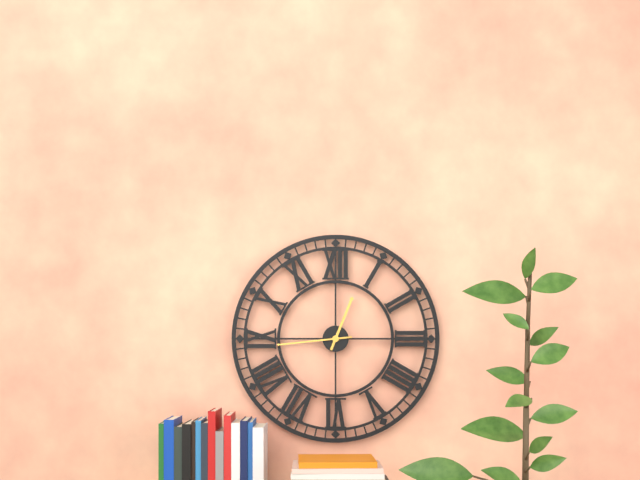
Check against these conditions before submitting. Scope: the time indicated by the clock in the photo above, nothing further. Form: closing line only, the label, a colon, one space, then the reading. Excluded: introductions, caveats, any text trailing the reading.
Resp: 12:44
